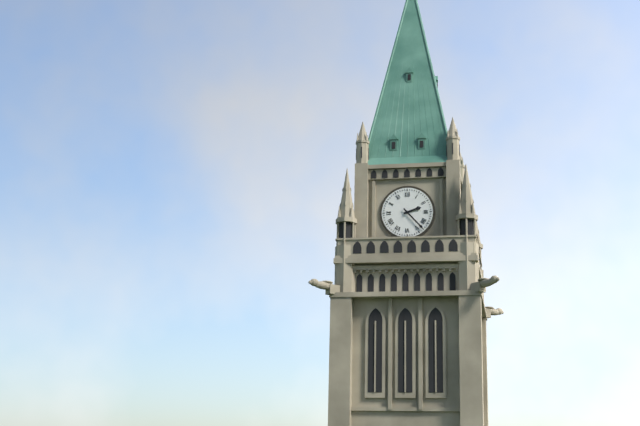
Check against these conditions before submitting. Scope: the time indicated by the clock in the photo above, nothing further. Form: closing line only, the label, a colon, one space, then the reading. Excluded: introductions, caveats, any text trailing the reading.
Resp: 2:23
